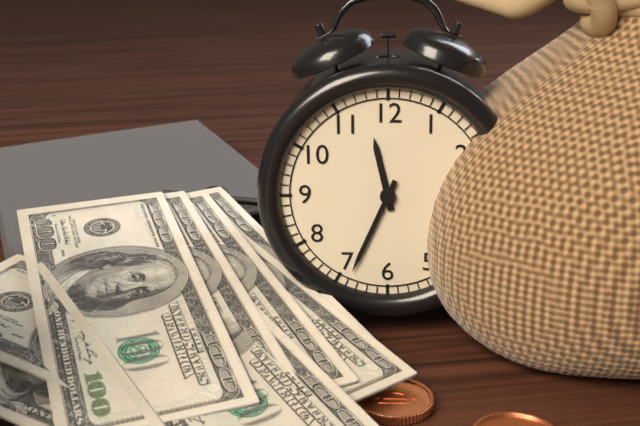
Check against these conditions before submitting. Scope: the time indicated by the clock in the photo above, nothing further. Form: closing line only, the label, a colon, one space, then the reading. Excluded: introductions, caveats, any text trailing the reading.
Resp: 11:34
